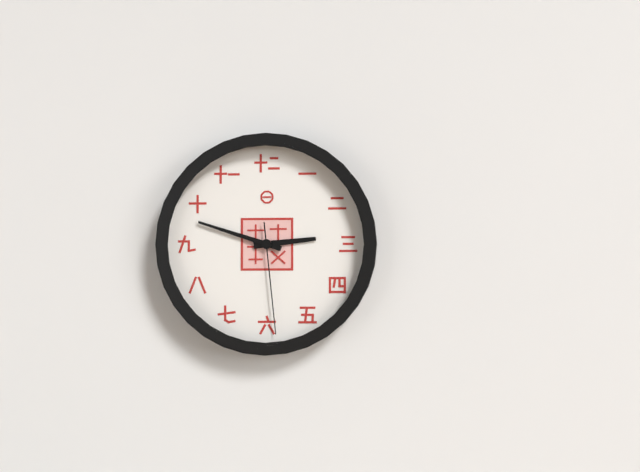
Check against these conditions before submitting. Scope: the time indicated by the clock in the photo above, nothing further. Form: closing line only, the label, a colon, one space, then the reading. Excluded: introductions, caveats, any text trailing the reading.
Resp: 2:48:29
